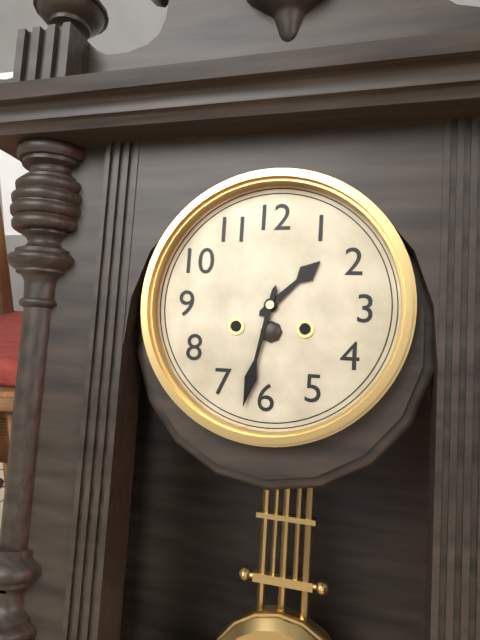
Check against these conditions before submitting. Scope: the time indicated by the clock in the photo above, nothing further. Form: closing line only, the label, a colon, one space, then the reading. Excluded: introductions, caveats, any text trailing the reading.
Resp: 1:32
